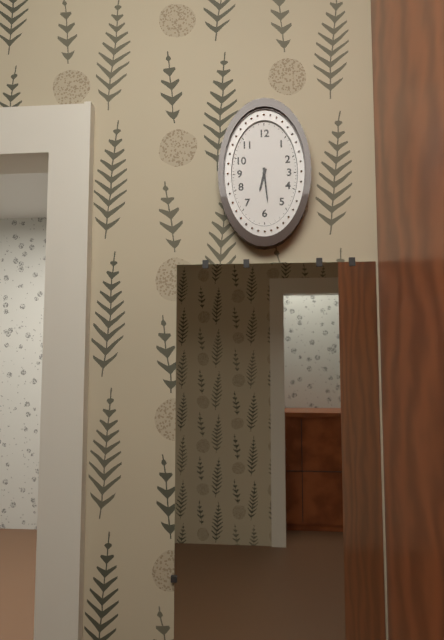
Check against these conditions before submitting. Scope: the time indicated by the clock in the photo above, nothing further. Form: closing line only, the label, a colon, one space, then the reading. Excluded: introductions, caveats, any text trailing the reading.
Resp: 6:29
